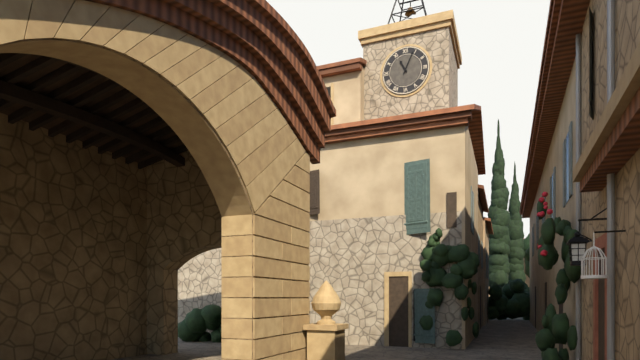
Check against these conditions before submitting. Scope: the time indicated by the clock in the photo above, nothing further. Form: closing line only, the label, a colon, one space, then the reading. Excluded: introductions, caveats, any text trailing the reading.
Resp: 11:04
